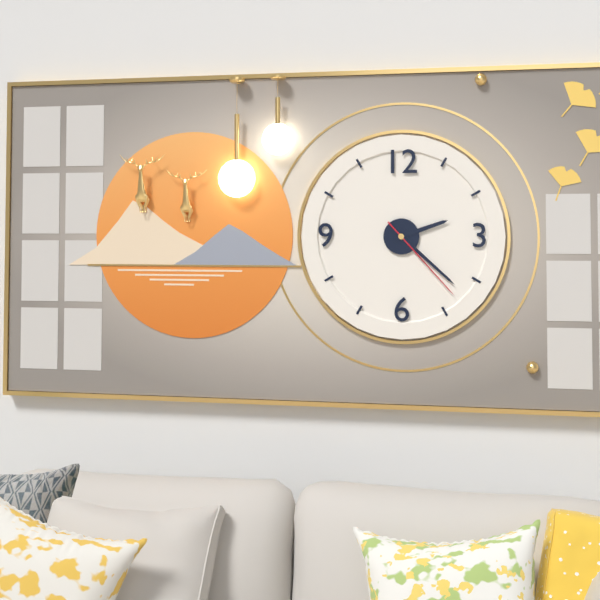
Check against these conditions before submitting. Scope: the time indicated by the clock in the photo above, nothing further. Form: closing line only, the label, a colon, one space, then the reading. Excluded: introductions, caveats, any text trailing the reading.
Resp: 2:22:23
